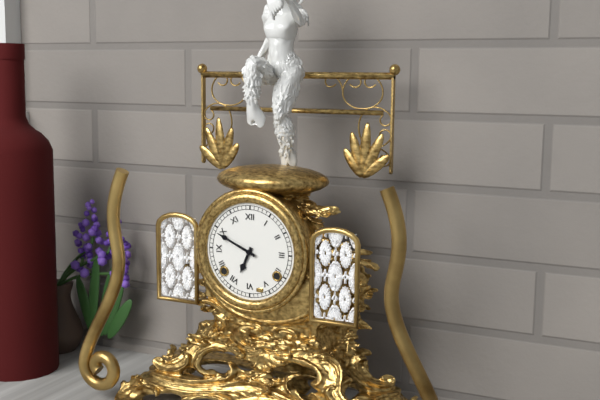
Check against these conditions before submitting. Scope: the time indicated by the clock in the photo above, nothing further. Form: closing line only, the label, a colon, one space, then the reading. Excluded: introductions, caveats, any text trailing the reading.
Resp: 6:49
